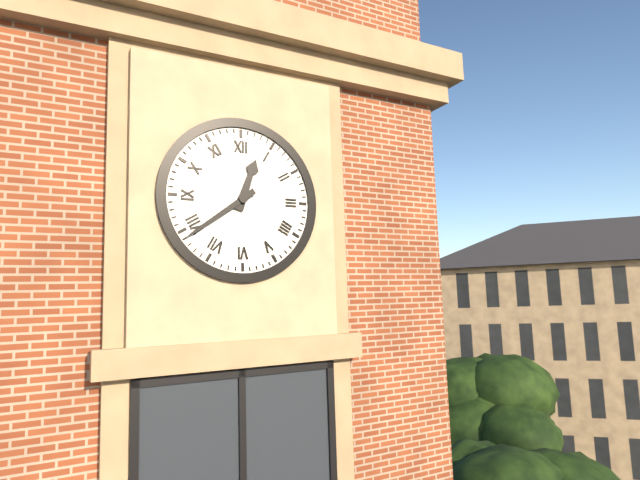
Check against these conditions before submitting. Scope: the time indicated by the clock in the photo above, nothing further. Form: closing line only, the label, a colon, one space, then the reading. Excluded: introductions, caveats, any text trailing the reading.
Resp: 12:39
